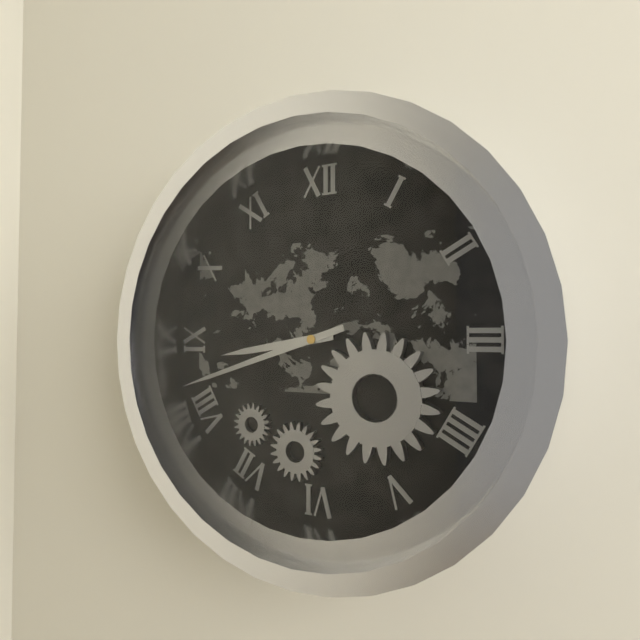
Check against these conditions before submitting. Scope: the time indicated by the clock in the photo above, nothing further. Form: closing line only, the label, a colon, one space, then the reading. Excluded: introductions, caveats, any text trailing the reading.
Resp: 8:42
